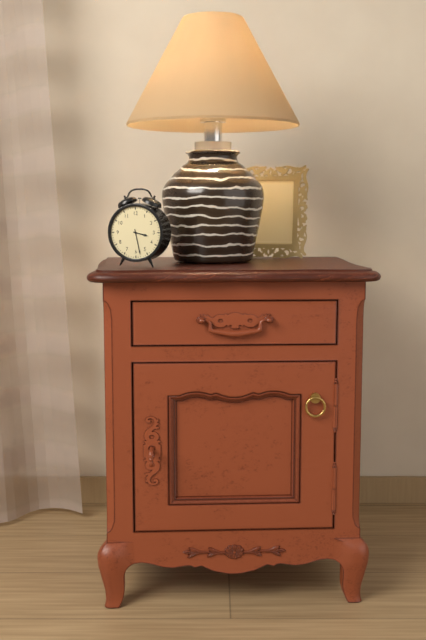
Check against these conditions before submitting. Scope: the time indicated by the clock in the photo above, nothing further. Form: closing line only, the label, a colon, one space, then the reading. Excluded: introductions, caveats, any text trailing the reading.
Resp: 3:28
